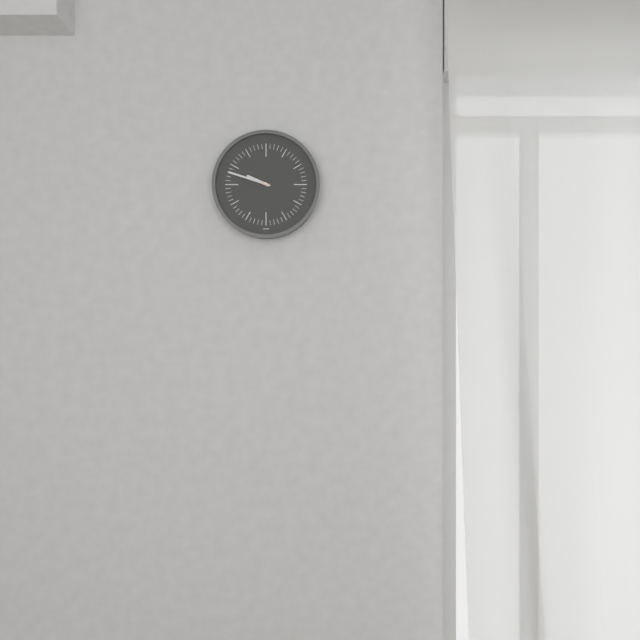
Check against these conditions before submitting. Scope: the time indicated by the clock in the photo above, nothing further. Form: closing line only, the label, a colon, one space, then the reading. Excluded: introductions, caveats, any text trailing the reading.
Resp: 9:48
